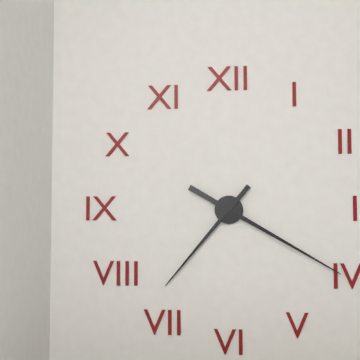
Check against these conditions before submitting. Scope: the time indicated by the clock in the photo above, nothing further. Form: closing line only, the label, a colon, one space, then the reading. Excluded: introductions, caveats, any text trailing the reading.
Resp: 7:20
